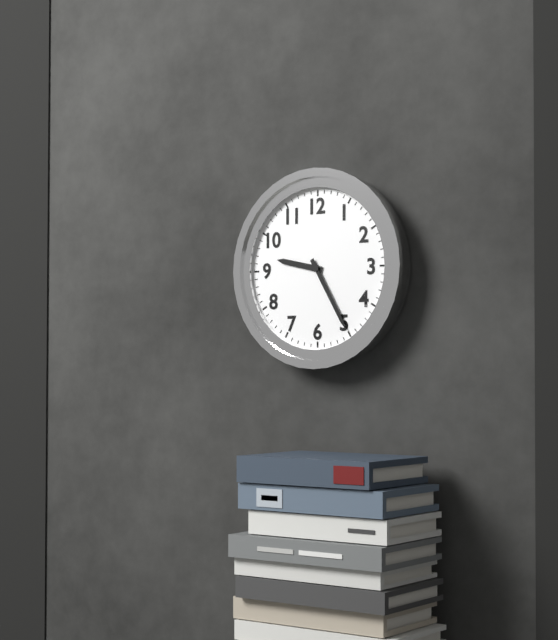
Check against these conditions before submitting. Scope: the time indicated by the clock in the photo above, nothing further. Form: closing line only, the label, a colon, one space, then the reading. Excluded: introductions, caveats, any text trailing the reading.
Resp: 9:25
